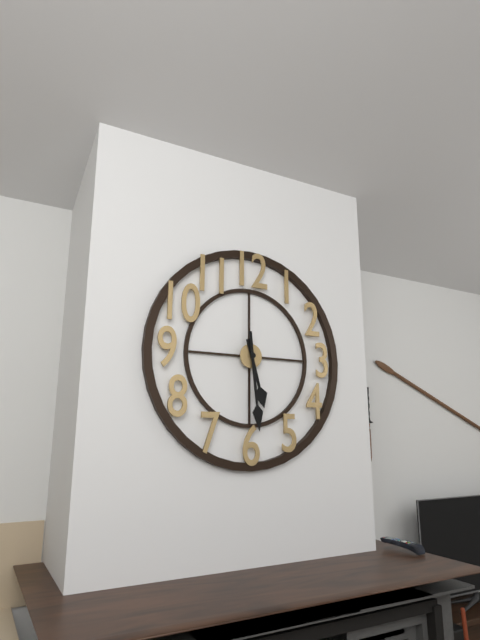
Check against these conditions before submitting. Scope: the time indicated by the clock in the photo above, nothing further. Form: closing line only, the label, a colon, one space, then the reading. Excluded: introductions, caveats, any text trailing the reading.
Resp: 5:29
